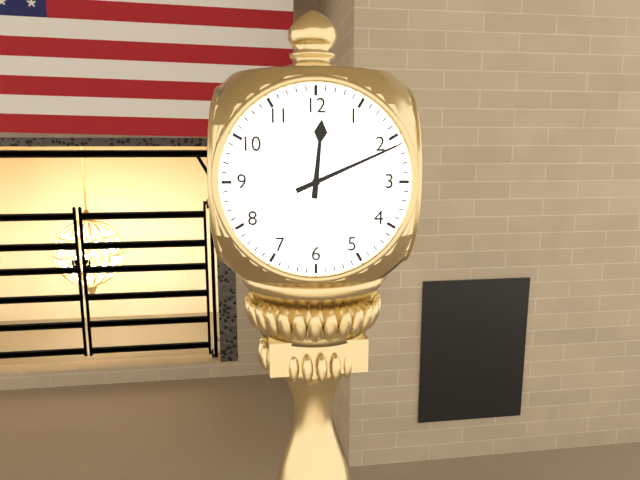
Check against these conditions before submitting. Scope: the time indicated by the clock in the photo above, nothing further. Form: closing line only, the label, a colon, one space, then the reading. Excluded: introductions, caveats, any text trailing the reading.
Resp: 12:11
